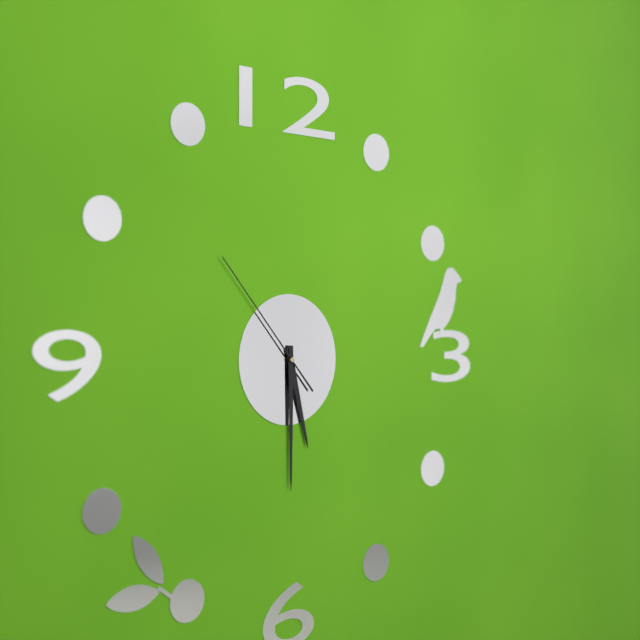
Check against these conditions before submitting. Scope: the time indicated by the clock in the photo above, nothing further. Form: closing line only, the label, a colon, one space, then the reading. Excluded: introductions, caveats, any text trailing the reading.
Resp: 5:30:53
